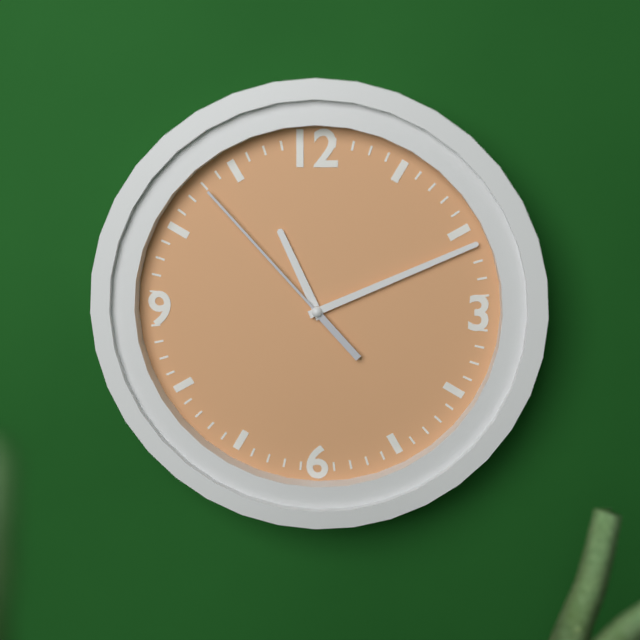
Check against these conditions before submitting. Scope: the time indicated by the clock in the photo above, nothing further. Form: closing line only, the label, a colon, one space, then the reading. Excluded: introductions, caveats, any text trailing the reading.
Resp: 11:11:53
